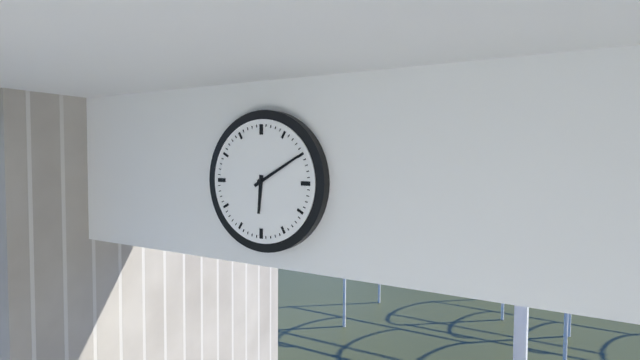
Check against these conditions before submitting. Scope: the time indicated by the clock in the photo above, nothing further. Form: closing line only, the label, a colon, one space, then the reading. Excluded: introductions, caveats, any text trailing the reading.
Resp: 6:10
